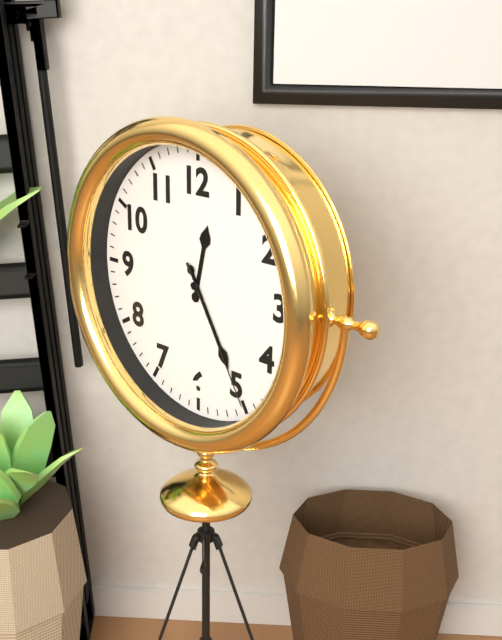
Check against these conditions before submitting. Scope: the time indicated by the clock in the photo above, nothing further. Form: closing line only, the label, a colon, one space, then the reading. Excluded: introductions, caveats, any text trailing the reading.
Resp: 12:25:25
